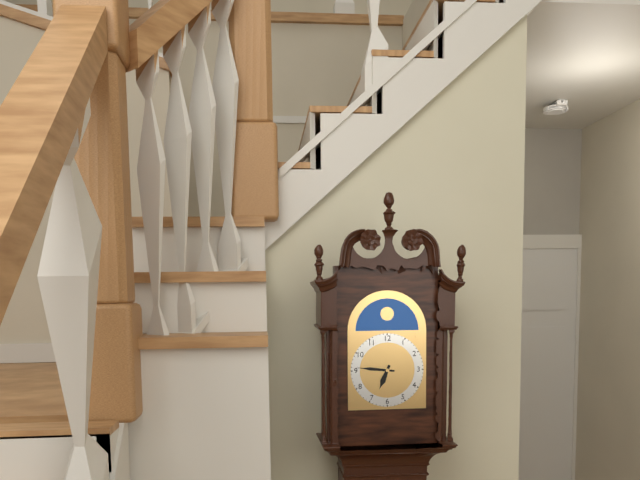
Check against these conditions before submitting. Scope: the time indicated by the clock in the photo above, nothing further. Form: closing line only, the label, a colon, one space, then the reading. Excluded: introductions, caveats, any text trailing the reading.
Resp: 6:46
